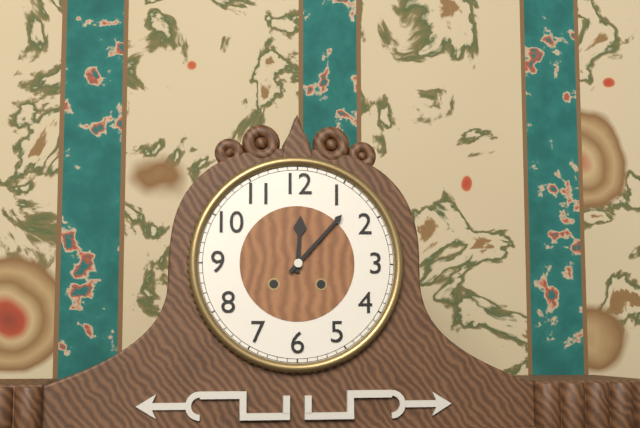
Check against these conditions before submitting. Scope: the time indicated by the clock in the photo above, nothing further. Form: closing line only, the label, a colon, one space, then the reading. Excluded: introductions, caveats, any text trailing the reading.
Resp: 12:07
